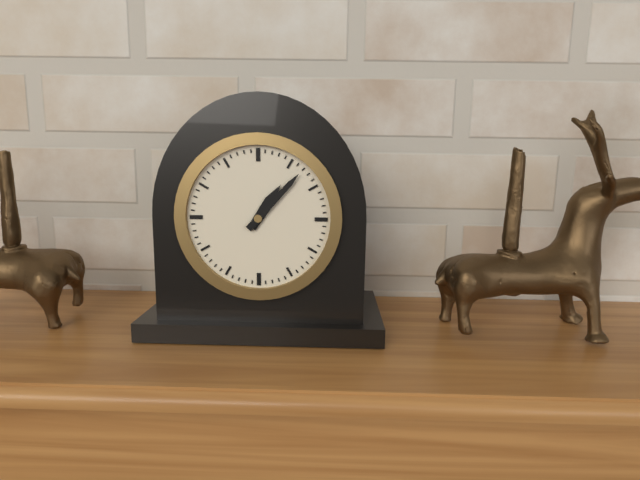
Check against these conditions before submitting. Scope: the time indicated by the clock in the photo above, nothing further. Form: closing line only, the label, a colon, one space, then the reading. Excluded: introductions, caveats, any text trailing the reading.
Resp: 1:07
